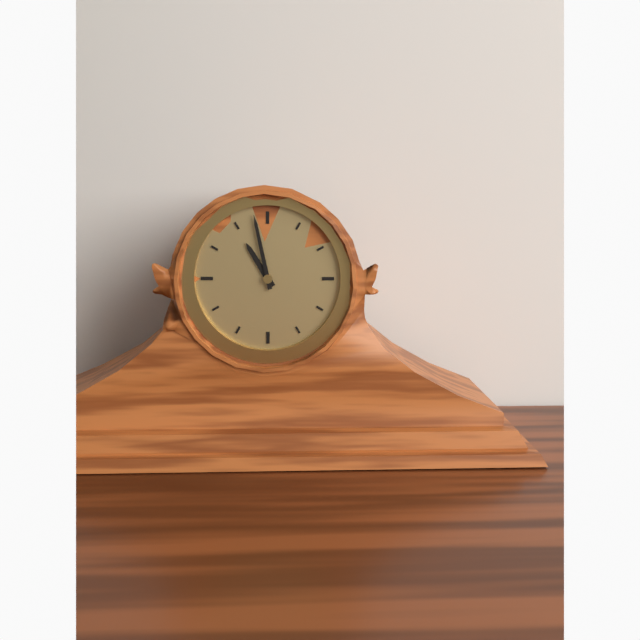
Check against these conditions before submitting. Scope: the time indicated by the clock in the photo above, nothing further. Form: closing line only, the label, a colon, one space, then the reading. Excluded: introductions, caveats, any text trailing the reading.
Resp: 10:58
